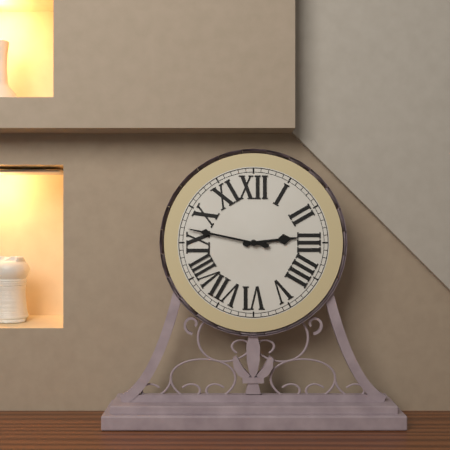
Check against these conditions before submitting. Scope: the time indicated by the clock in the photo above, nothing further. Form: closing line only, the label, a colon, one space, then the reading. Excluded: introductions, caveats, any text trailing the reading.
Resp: 2:47
